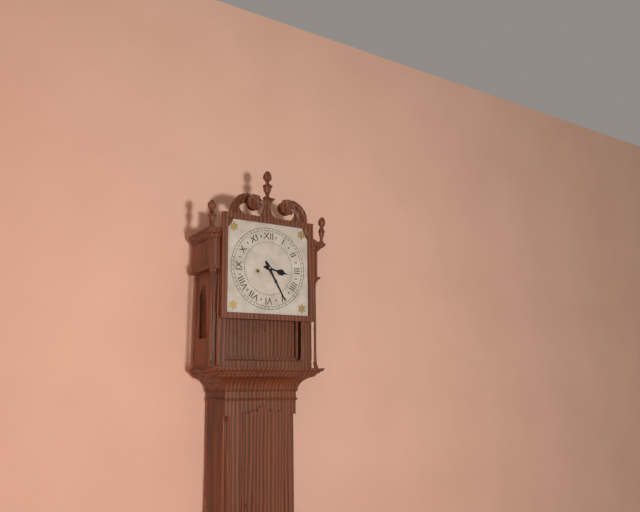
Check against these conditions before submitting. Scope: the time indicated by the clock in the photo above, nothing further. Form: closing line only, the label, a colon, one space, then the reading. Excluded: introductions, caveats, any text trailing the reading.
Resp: 3:25
